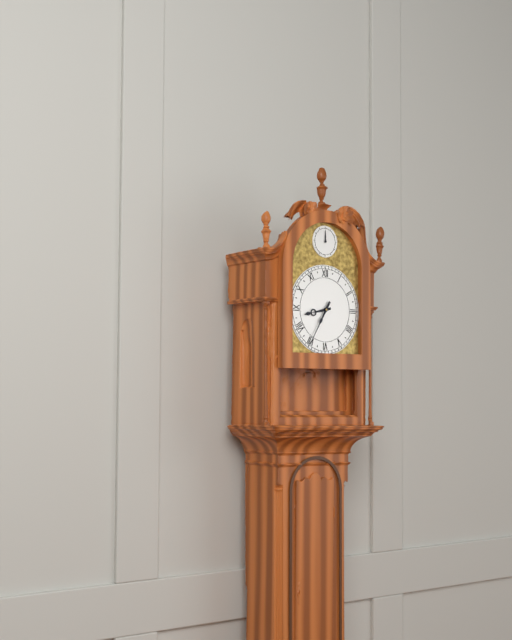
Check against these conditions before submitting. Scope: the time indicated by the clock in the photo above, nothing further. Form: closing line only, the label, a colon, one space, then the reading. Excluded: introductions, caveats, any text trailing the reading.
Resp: 8:35
